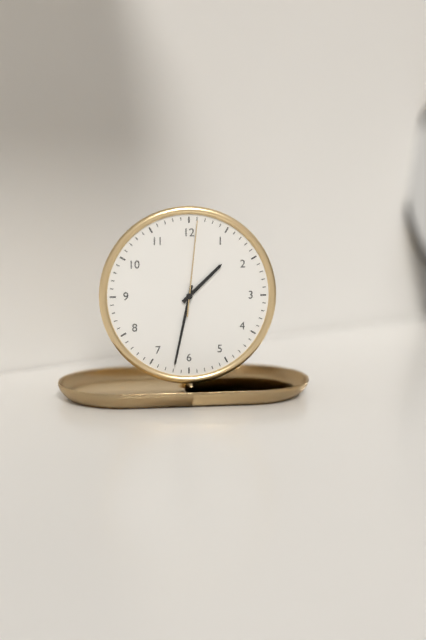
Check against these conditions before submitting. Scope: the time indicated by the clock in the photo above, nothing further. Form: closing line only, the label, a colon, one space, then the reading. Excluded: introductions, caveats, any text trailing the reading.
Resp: 1:32:01
